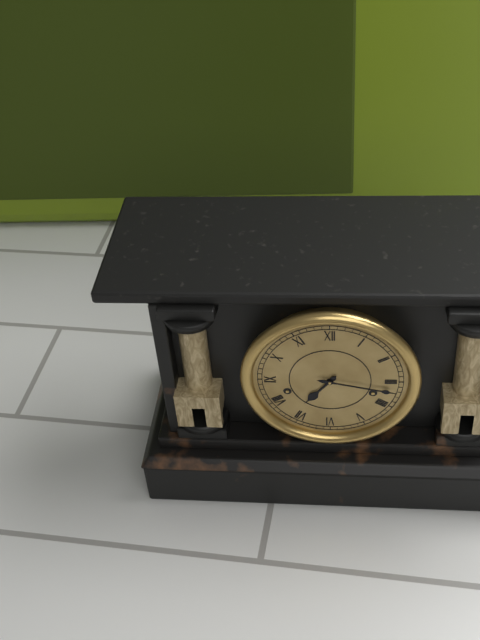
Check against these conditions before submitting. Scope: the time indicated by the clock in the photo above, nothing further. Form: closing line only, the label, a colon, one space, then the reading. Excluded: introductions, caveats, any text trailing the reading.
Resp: 7:17
